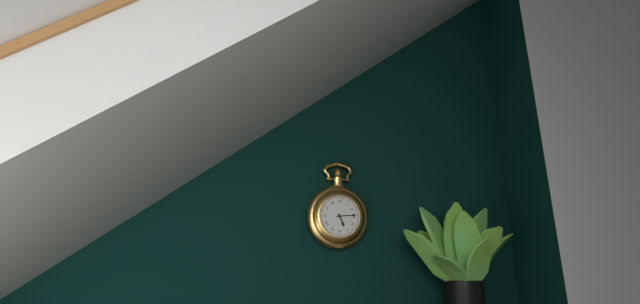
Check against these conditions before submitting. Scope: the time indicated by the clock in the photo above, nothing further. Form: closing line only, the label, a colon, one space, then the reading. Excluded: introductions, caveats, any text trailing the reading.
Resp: 5:14
